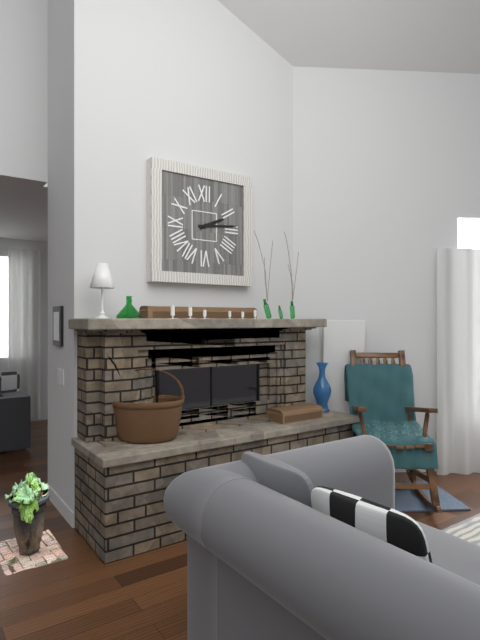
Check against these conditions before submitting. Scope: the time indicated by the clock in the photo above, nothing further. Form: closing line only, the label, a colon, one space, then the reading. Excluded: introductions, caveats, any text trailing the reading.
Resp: 2:14
